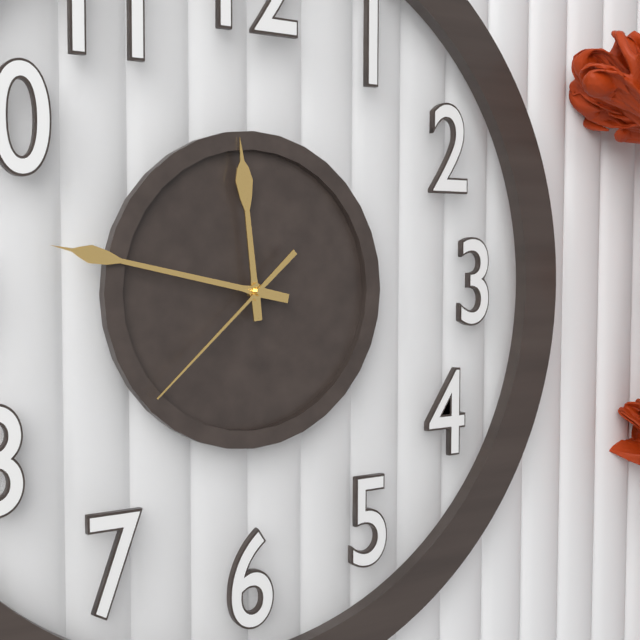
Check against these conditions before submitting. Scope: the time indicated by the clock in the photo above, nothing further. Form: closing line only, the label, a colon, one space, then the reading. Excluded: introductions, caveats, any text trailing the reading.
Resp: 11:47:38
